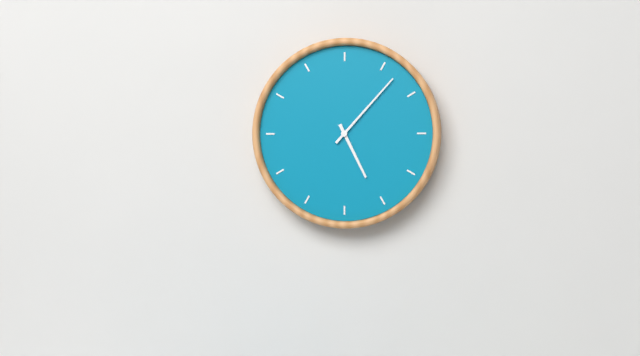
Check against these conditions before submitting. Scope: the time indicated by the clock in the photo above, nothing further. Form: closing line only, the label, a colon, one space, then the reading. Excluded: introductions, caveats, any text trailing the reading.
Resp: 5:07
